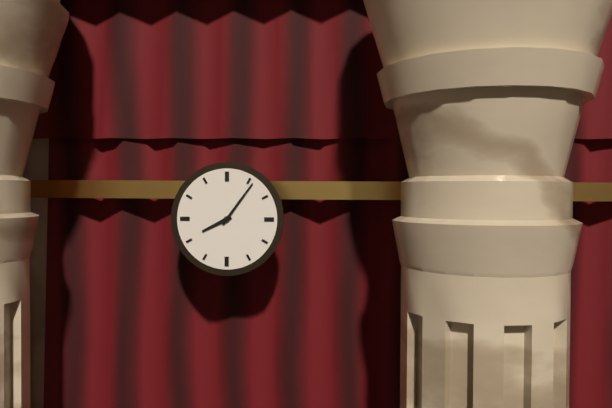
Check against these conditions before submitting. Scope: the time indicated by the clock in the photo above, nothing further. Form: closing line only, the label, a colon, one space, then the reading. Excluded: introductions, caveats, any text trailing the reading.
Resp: 8:06
